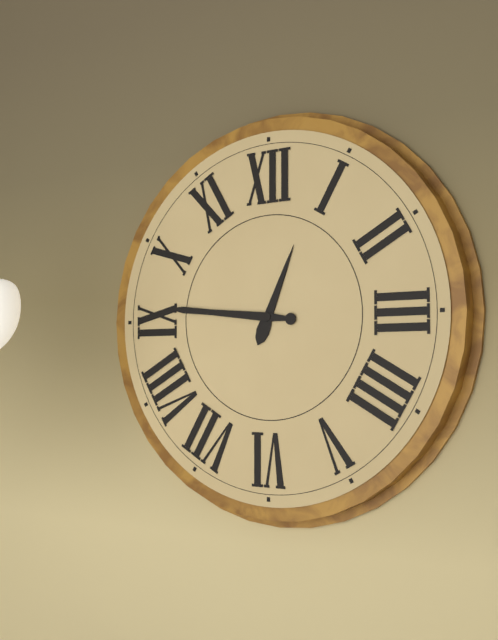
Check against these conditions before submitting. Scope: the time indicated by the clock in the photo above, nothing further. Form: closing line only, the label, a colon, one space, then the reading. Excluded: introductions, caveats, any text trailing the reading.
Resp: 12:46
